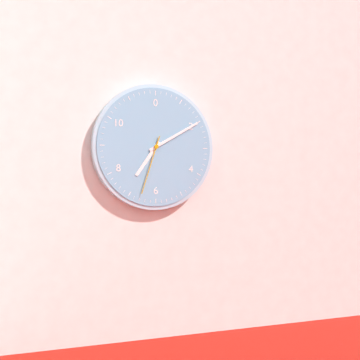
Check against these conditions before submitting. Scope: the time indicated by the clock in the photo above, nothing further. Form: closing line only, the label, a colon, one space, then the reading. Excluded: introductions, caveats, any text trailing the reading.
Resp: 7:10:33
